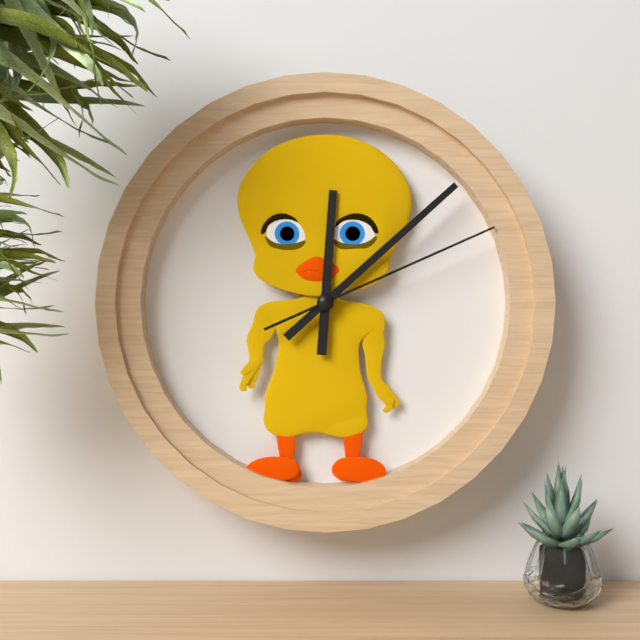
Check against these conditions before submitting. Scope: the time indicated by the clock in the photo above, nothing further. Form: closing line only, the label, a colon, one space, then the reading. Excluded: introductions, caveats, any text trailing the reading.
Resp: 12:08:11
